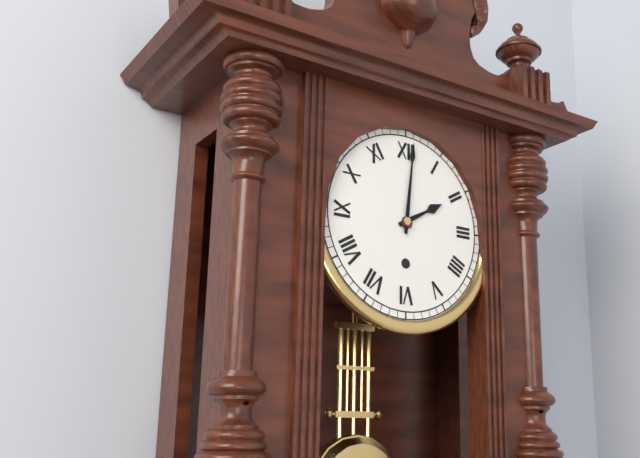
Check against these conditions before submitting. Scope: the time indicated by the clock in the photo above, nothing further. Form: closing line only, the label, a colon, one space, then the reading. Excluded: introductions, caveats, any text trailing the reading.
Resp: 2:01
